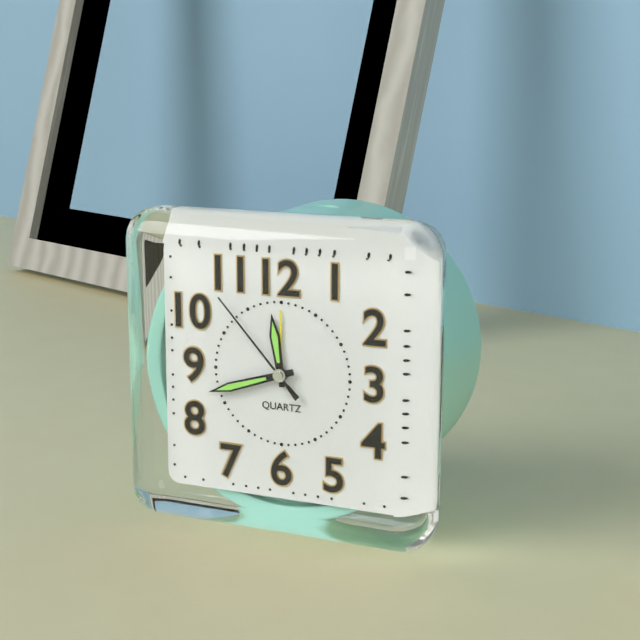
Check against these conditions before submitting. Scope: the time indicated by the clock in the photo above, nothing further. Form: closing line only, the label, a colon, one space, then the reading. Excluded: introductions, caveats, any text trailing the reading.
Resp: 11:42:53
